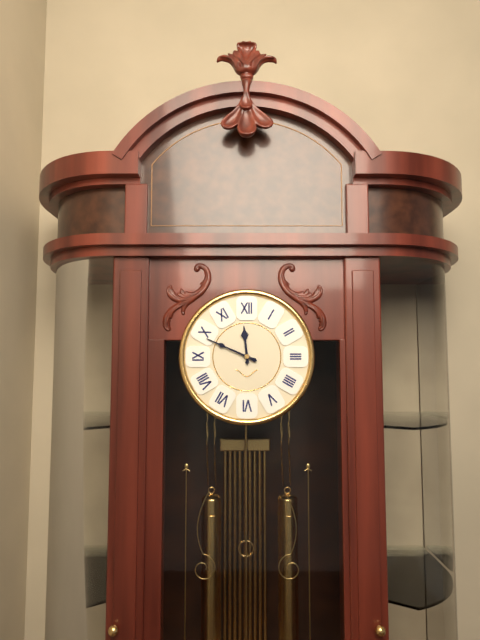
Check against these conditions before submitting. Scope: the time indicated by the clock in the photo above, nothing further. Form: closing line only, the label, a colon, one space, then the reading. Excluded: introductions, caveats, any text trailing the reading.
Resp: 11:49
